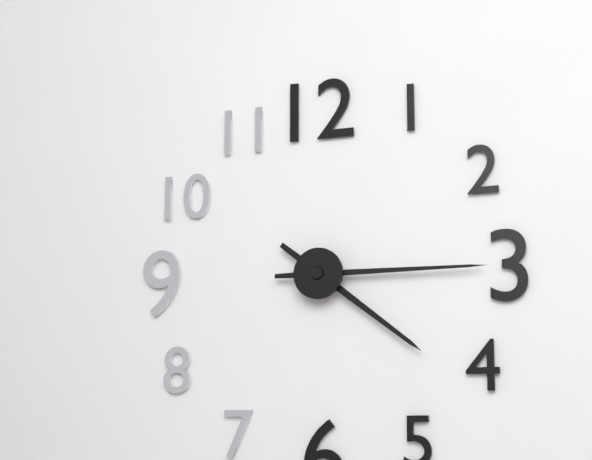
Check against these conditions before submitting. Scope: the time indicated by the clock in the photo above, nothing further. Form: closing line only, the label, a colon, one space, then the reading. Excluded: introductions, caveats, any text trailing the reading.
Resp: 4:15
